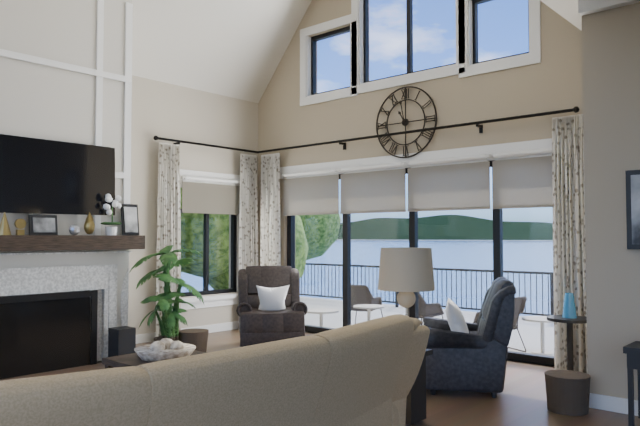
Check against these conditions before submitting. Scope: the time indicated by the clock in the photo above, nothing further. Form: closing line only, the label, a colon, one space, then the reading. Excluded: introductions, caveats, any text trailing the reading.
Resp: 10:58
